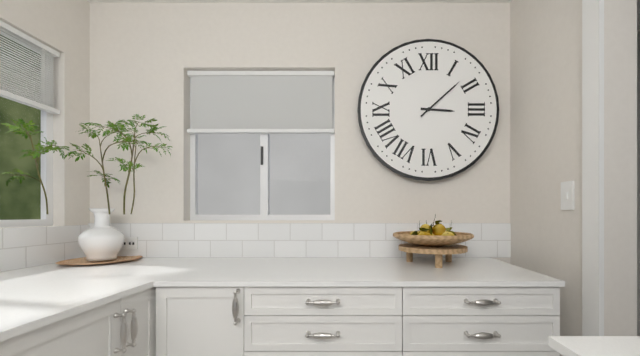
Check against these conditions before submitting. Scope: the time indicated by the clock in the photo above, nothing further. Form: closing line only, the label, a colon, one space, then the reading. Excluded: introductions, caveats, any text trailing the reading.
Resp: 3:08
